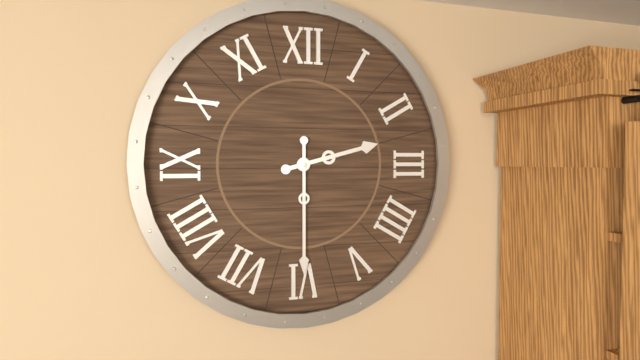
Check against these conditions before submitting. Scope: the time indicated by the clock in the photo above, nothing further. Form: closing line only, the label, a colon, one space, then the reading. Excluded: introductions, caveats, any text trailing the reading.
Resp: 2:30
